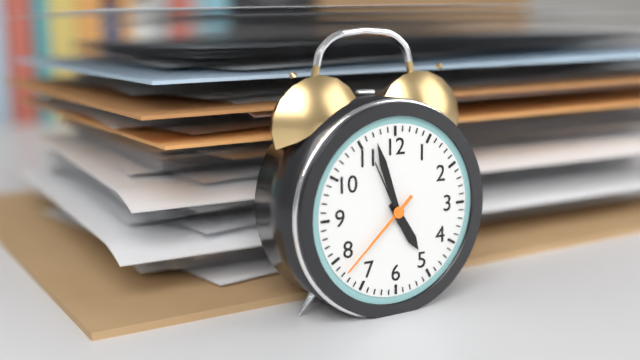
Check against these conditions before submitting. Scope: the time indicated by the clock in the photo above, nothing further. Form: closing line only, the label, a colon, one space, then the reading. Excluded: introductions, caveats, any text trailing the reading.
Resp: 4:57:38
